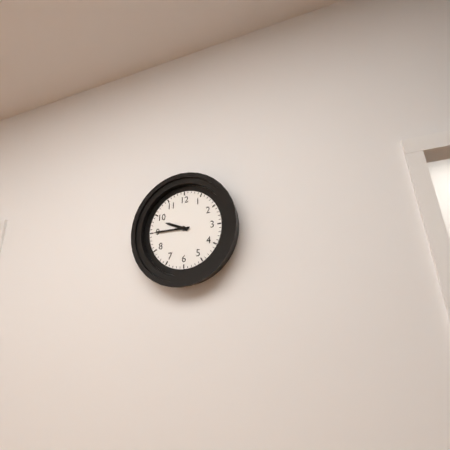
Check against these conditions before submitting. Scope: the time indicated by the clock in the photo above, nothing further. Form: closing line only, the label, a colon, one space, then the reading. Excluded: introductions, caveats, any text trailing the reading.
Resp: 9:45
